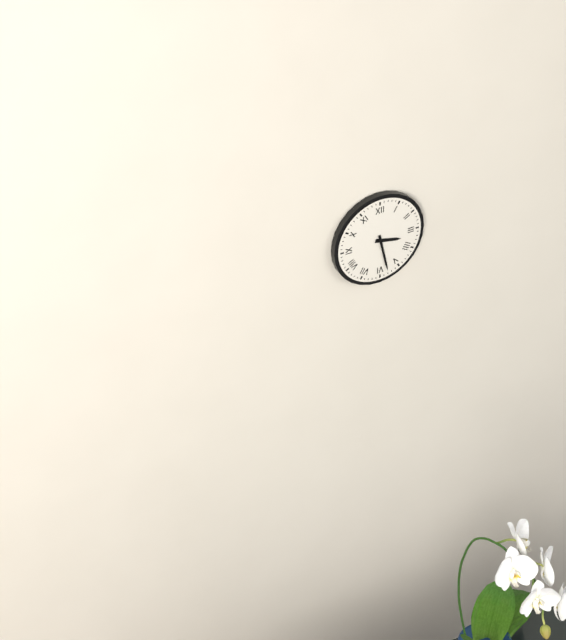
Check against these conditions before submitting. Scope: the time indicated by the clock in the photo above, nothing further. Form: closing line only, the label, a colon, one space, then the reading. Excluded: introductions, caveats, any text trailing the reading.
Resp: 3:28
